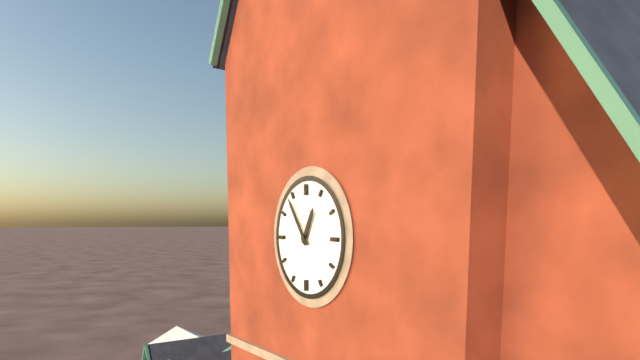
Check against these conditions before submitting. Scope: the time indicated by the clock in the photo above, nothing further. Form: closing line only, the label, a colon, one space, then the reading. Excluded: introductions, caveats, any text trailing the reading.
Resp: 12:54
